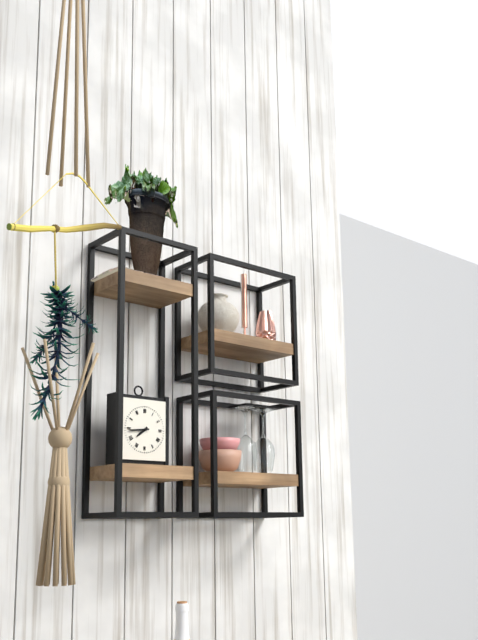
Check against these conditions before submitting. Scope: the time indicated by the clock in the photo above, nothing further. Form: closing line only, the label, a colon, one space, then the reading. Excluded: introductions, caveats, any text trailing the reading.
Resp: 7:44
